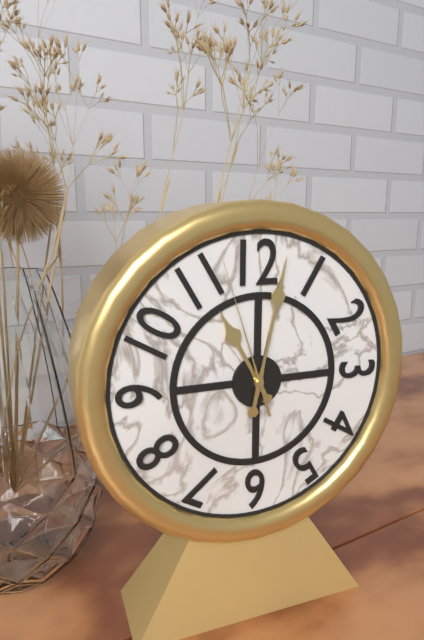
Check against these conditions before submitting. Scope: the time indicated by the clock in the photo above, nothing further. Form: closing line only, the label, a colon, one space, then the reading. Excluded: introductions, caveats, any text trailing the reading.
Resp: 11:02:57
